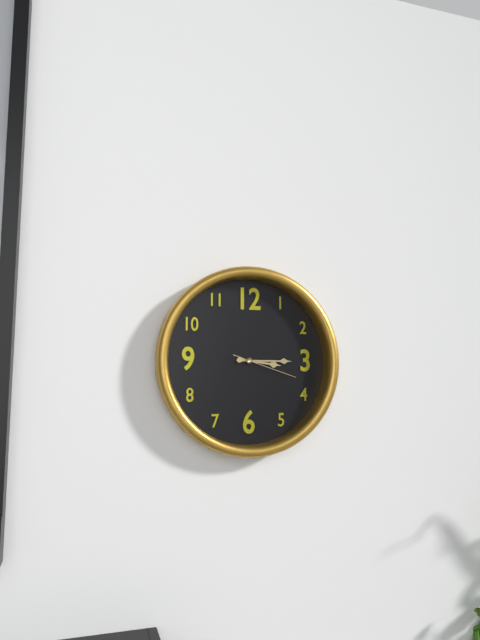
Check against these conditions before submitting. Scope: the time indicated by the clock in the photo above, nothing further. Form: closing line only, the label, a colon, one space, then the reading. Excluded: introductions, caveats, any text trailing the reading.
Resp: 3:15:18
